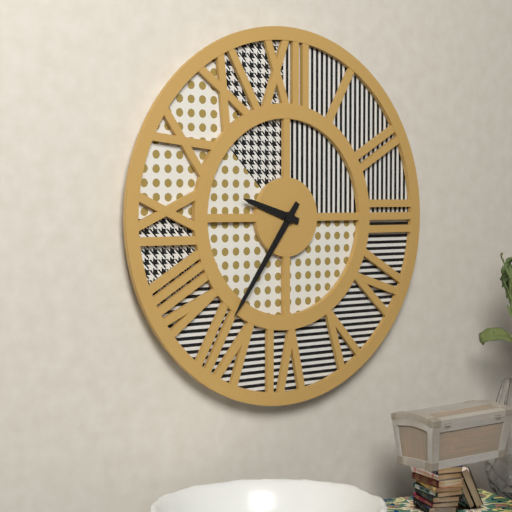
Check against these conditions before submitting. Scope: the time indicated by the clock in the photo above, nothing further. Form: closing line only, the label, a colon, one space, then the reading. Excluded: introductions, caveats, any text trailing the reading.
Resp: 9:36
